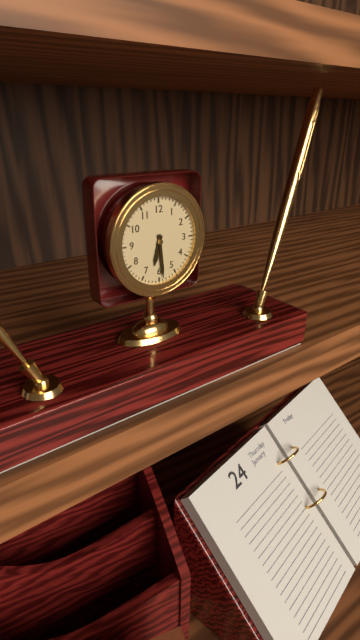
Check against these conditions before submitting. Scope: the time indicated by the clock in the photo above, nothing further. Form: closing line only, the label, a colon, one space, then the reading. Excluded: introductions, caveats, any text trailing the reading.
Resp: 6:29
